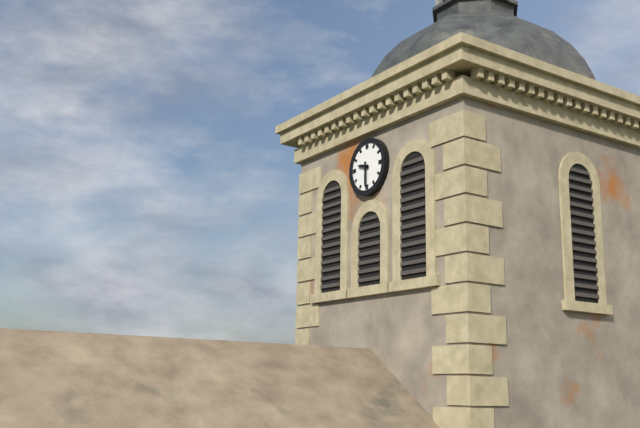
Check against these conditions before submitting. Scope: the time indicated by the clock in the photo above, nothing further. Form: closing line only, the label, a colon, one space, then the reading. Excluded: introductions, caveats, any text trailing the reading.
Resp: 9:30
